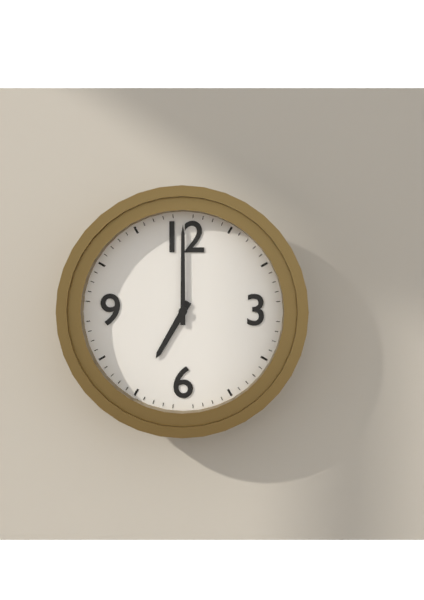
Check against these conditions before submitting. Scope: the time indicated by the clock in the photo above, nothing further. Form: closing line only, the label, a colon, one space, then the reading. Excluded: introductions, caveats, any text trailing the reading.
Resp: 7:00
